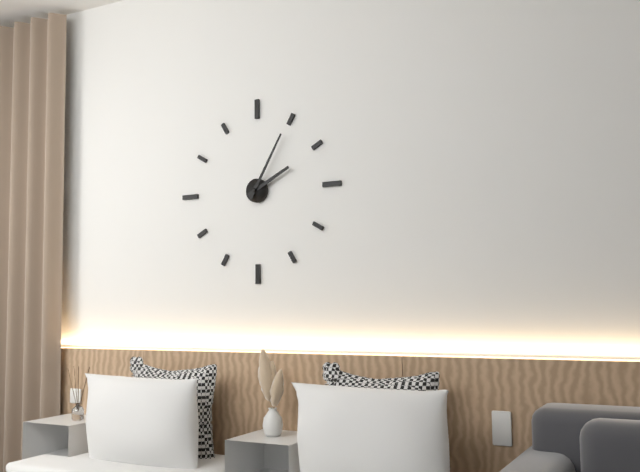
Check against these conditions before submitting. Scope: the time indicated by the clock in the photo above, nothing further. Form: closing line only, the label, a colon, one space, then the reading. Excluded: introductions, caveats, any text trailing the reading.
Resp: 2:05
